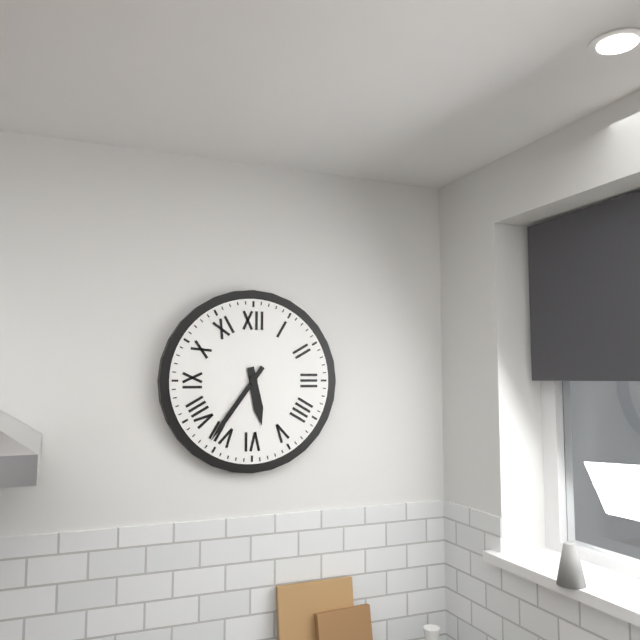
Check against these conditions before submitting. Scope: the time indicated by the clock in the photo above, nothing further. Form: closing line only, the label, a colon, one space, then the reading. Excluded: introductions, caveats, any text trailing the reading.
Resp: 5:36
